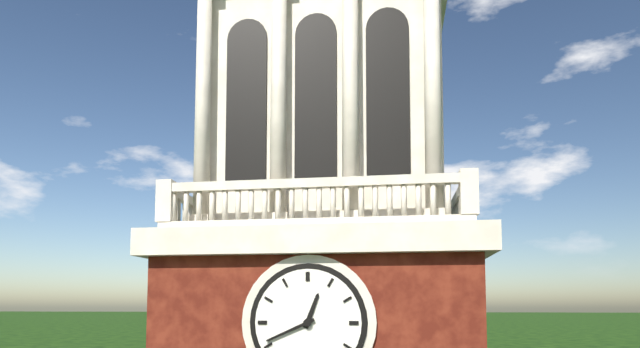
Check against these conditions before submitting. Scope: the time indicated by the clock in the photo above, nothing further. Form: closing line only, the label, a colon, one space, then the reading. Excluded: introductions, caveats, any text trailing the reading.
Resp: 12:41
